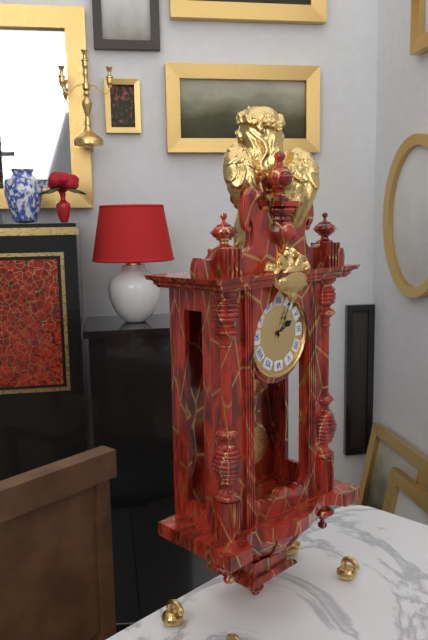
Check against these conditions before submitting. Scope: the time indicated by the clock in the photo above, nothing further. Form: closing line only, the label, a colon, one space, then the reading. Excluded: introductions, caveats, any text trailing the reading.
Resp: 2:05
